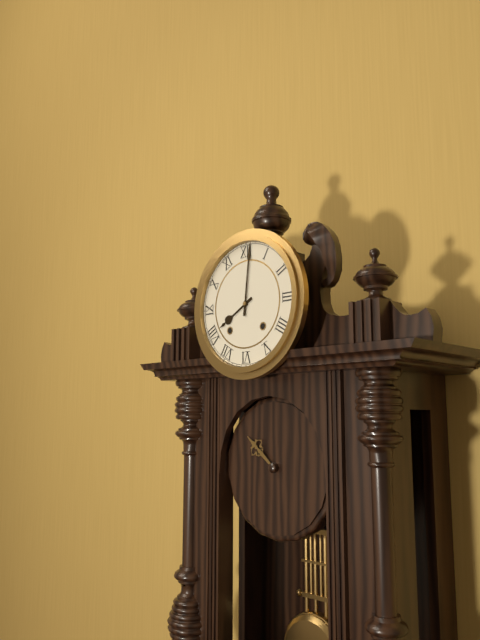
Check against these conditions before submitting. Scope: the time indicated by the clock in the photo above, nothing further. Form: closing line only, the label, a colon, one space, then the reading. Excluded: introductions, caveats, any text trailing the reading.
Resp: 8:01
